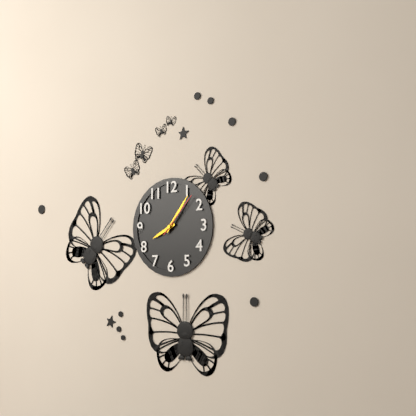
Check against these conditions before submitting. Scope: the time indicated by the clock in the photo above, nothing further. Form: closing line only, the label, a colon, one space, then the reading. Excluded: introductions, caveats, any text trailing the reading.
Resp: 8:06
